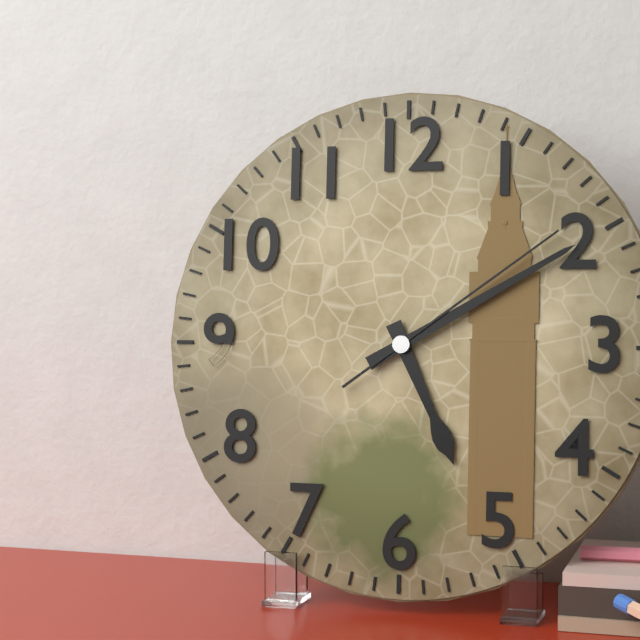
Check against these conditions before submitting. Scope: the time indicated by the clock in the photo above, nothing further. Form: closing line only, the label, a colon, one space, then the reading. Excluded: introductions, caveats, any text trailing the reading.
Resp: 5:10:09
